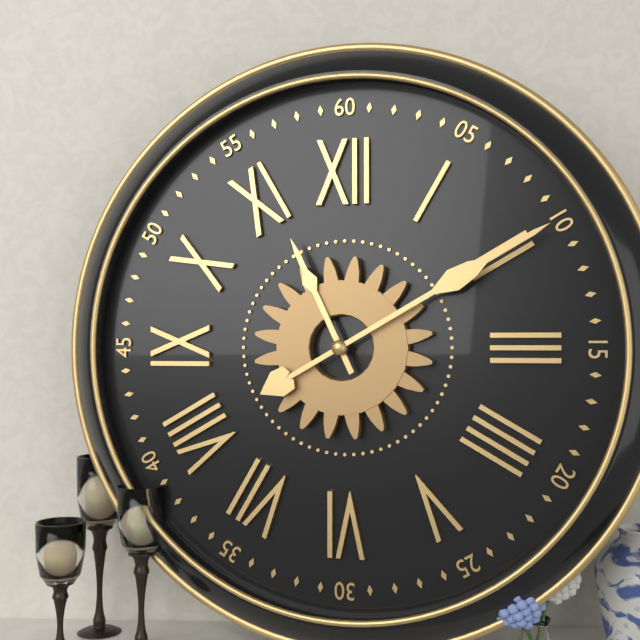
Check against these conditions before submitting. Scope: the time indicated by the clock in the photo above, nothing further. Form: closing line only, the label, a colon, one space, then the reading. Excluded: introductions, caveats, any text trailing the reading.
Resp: 11:10
